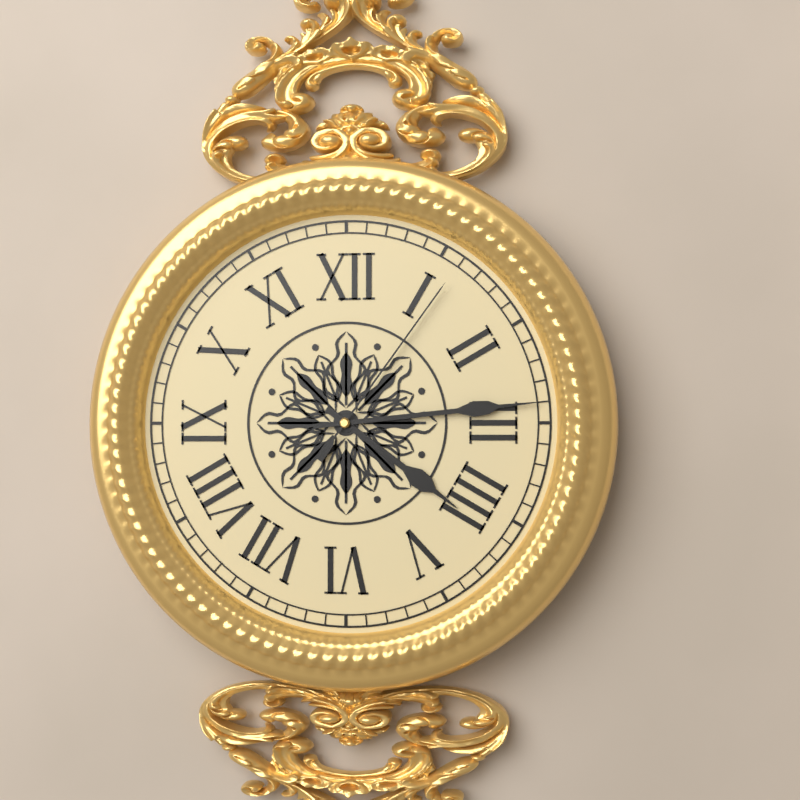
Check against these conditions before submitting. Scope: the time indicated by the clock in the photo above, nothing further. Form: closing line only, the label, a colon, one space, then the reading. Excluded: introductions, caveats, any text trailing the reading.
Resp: 4:14:06
